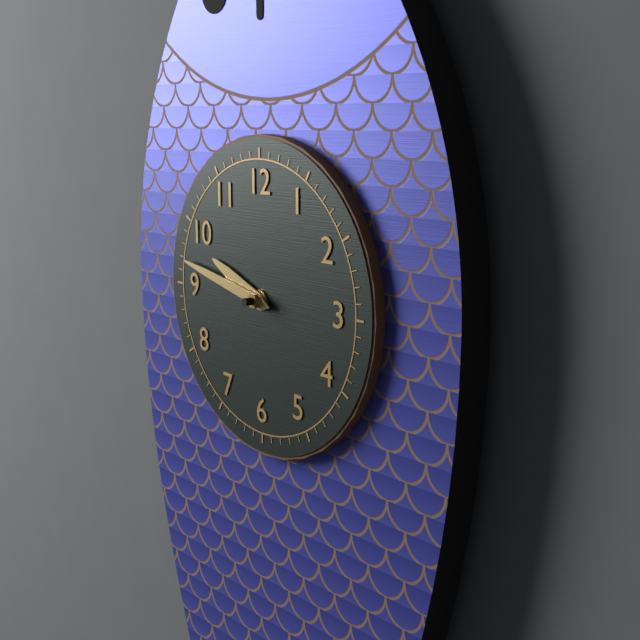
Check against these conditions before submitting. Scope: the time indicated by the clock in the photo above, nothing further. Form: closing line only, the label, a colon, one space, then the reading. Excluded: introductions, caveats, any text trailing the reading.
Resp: 9:47
